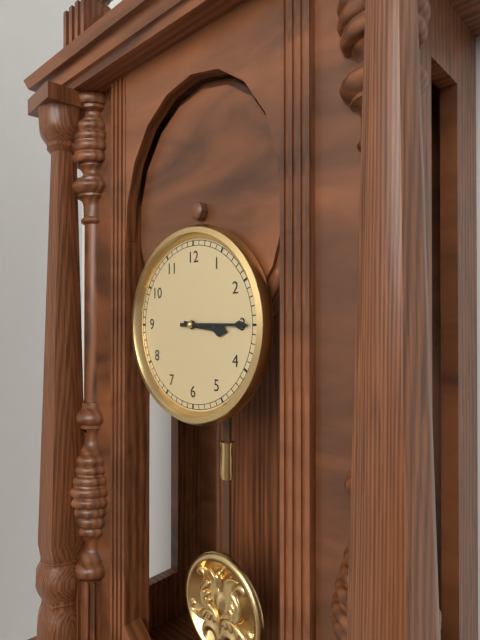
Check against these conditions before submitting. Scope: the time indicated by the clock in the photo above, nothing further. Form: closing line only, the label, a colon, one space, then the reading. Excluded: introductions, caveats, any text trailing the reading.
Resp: 3:15
